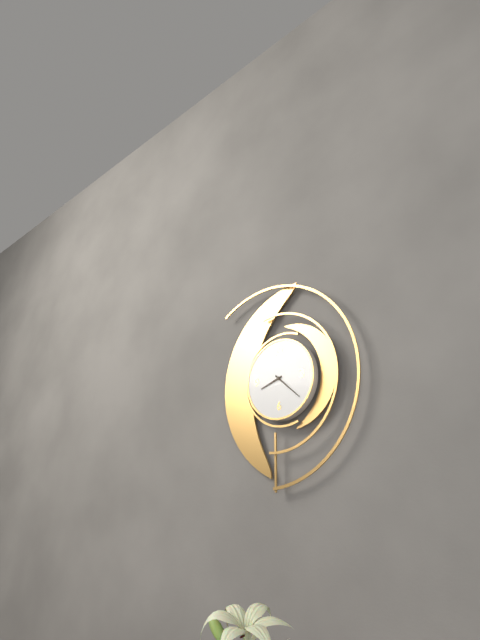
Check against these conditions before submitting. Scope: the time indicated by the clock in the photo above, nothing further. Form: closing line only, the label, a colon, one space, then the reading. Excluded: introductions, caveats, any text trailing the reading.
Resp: 8:22
